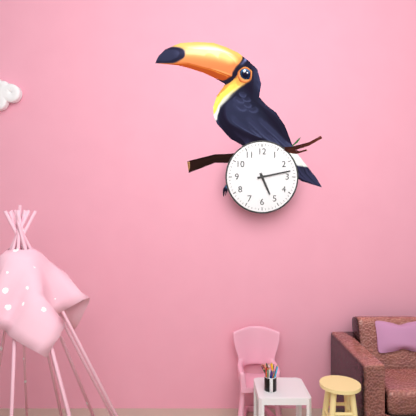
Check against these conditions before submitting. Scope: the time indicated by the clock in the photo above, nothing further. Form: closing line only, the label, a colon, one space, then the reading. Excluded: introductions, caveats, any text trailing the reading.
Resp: 5:13
